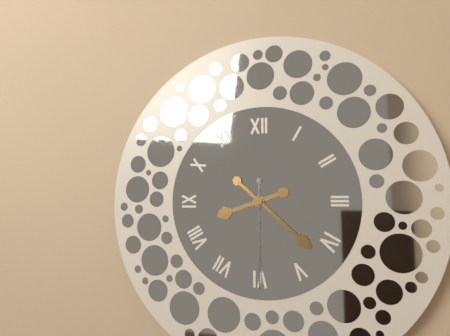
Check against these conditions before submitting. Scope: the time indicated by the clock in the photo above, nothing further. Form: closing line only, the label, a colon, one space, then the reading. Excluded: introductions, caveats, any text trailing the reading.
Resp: 8:22:30
